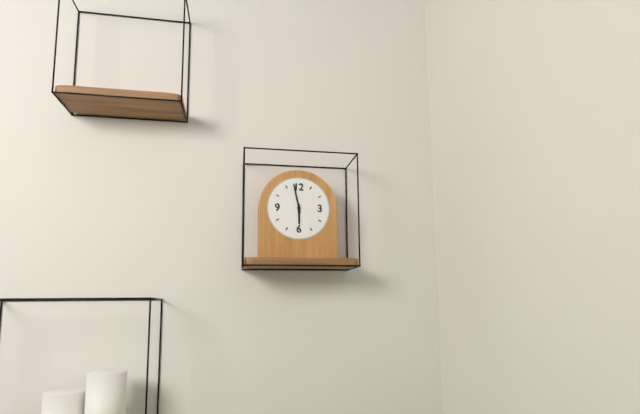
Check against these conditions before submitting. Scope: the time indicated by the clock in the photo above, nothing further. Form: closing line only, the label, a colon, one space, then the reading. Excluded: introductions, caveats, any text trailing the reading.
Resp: 5:58
